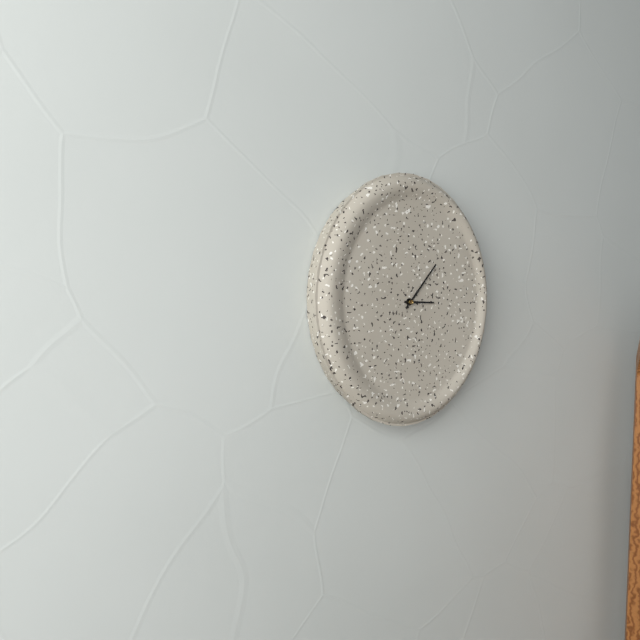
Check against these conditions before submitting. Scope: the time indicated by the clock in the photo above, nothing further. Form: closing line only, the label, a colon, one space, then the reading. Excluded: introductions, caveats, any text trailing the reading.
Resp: 3:07
